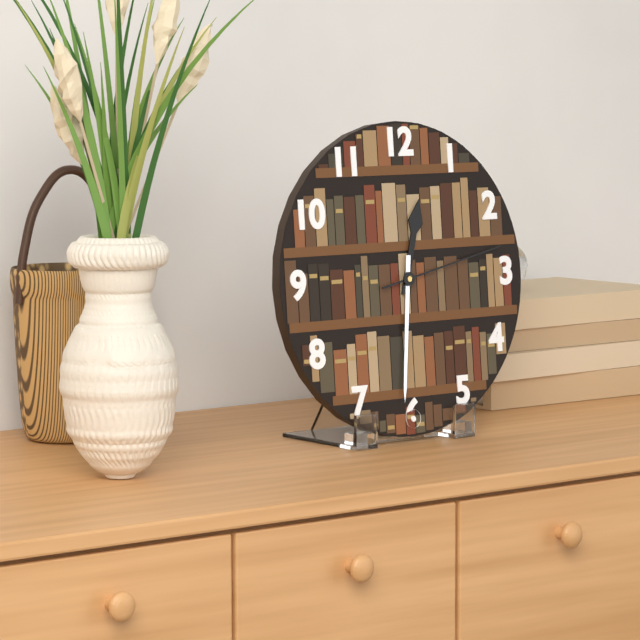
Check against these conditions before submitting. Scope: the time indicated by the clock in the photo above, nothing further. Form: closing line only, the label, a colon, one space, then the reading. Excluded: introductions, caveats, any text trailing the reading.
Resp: 12:31:13
